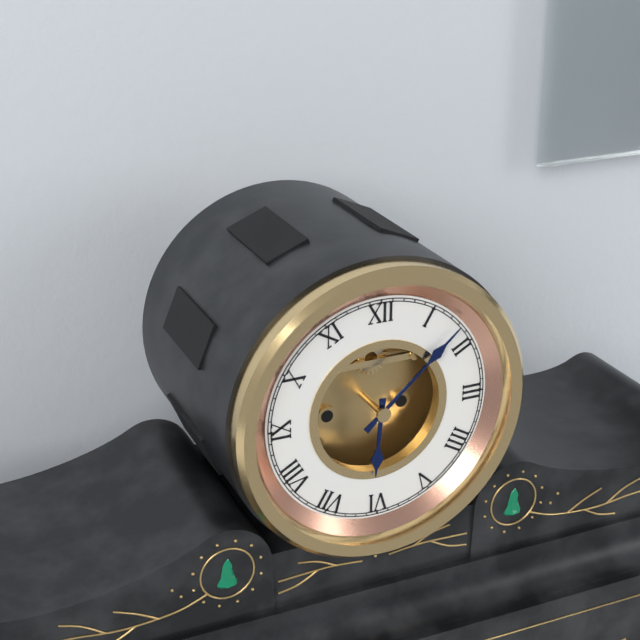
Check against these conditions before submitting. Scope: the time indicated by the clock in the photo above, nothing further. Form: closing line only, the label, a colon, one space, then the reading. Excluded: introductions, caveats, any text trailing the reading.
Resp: 6:08
